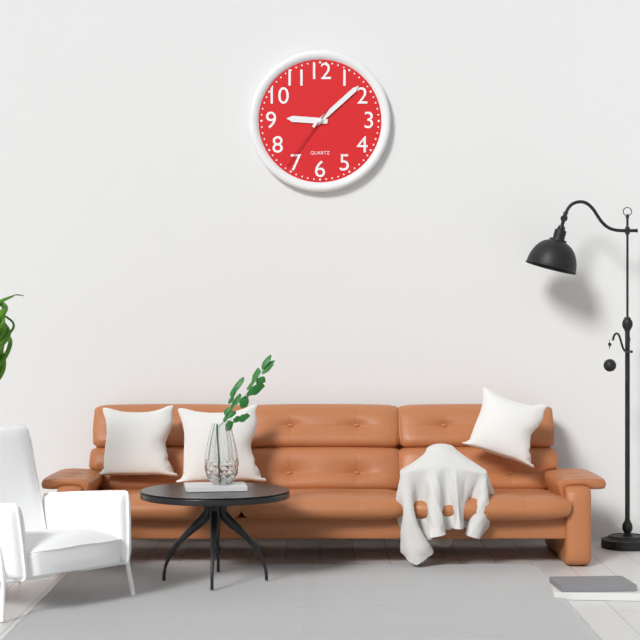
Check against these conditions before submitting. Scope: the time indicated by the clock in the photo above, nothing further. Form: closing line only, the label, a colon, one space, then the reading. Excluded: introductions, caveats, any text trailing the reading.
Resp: 9:08:36
